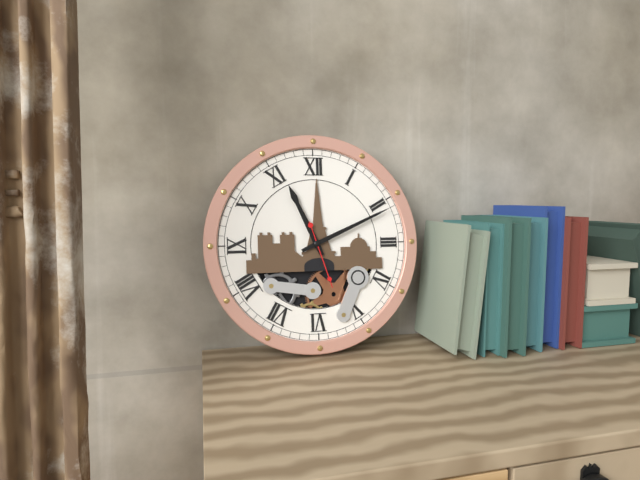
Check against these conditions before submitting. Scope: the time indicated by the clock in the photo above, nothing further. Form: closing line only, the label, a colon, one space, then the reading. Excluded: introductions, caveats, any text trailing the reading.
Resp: 11:11:27
